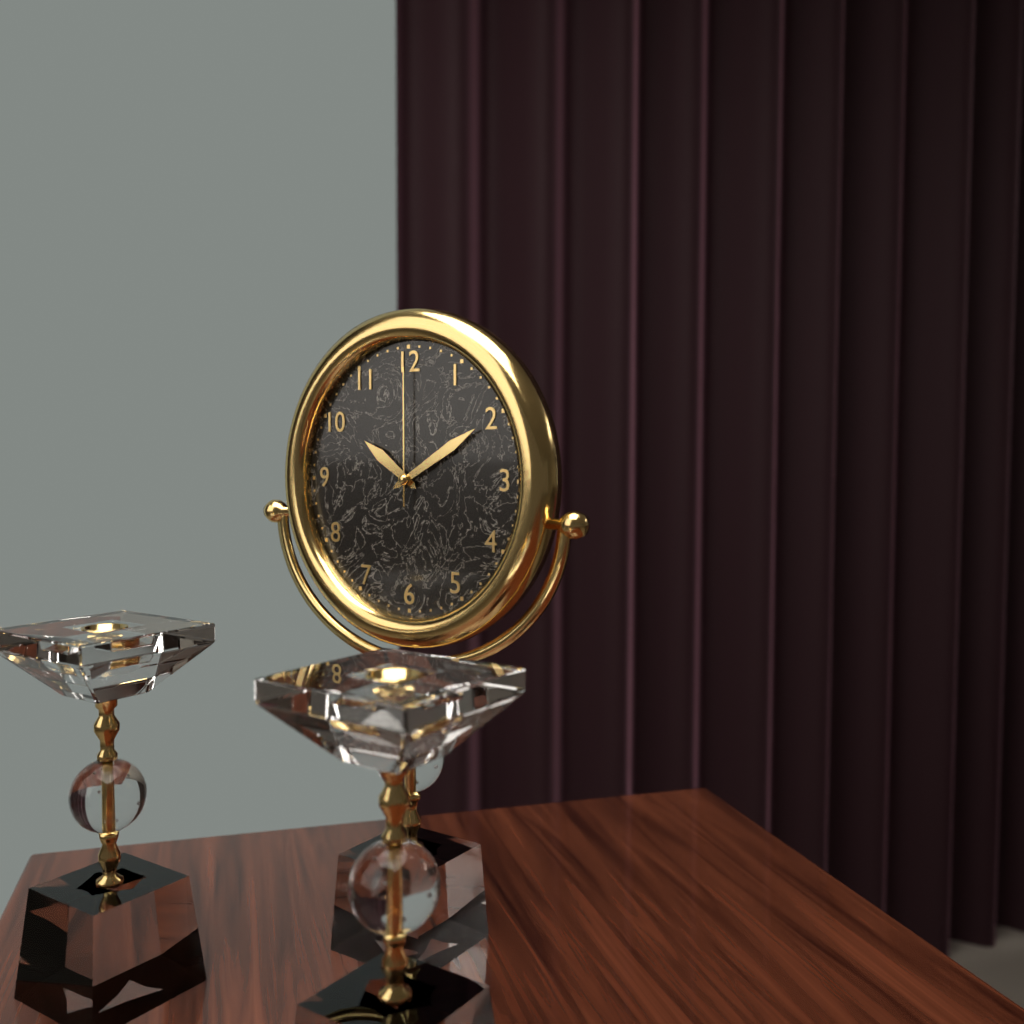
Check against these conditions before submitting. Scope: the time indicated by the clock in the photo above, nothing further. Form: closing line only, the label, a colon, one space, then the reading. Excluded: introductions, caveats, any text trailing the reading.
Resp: 10:10:00
